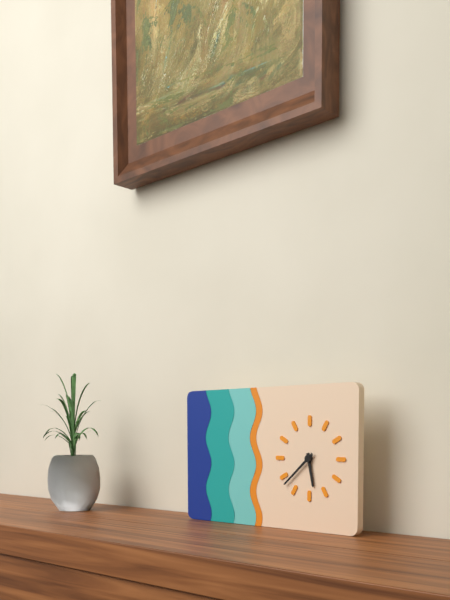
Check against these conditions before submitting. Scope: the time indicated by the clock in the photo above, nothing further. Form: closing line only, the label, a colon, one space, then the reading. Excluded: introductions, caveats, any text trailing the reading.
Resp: 5:38
